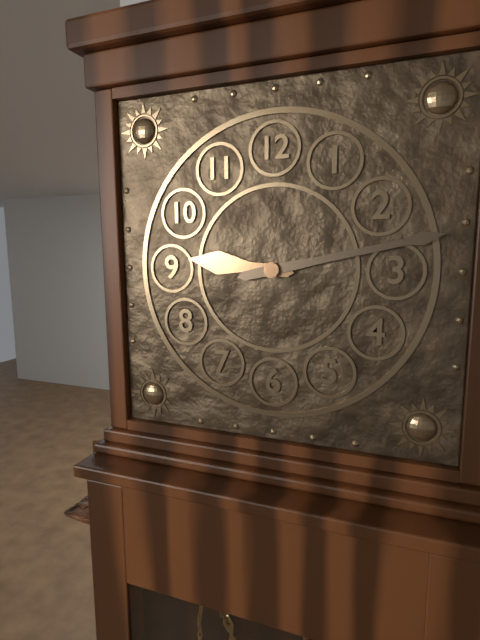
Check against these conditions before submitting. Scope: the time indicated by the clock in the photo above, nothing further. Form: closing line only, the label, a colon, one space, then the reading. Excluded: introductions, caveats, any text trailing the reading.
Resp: 9:13
